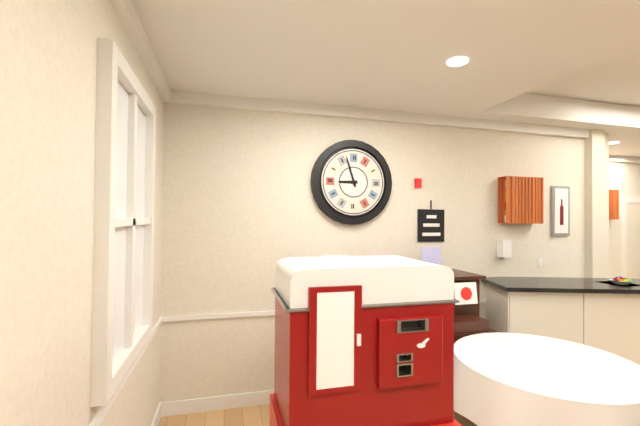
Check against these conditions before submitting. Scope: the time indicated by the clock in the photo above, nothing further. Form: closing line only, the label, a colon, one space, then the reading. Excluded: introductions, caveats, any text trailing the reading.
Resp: 8:57
